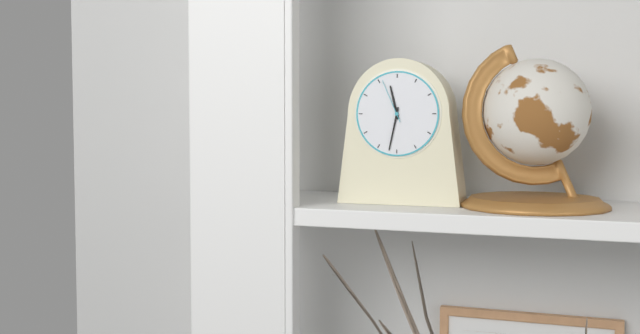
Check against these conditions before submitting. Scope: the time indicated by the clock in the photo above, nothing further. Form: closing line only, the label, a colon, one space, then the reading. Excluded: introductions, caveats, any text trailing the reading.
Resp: 11:32
